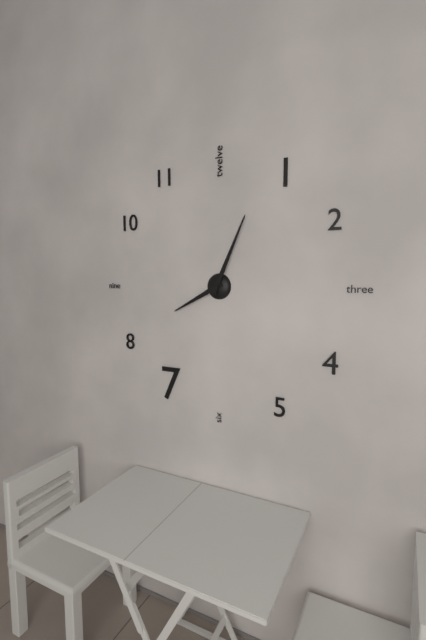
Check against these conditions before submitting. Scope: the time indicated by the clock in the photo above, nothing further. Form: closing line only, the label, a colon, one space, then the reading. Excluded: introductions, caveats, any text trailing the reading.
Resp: 8:04
